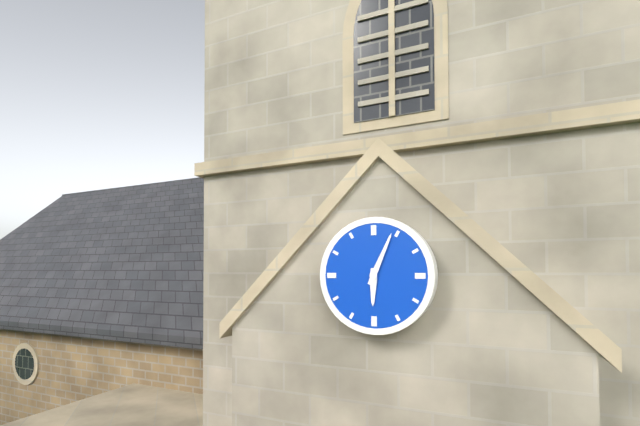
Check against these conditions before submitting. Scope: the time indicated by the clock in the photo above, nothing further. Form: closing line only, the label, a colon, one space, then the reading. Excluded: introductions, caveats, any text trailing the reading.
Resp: 6:04
